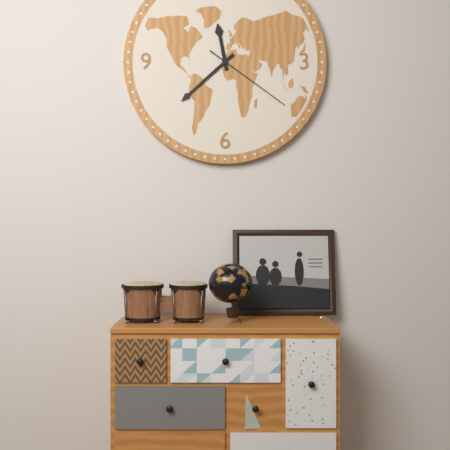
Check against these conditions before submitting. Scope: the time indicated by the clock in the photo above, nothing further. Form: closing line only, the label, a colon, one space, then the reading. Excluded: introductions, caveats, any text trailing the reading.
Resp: 11:38:21
